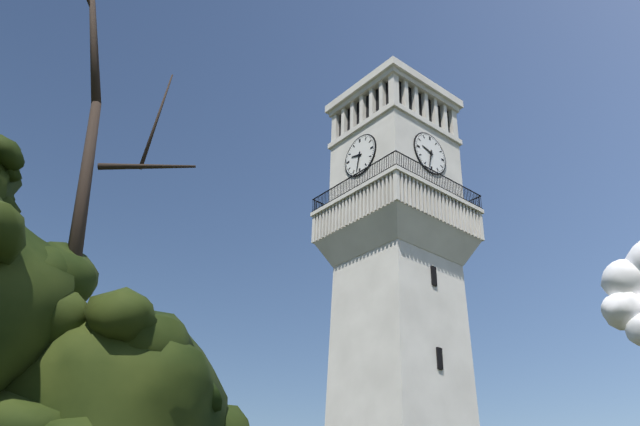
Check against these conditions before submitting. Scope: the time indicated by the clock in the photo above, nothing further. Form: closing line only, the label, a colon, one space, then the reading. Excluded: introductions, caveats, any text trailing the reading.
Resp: 9:32
